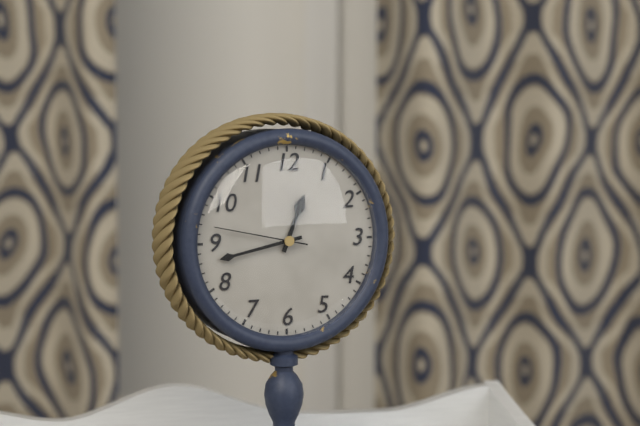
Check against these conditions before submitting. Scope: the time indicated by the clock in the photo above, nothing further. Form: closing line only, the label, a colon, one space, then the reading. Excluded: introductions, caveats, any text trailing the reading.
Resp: 12:43:47
